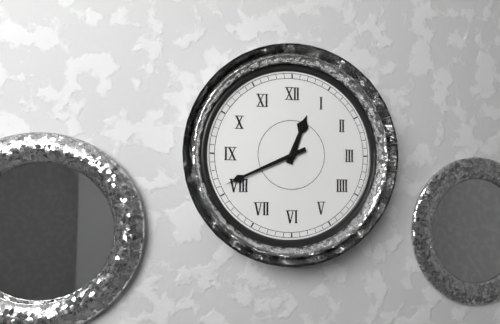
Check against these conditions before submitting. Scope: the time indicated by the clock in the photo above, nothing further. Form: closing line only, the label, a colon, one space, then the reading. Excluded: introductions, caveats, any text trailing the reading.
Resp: 12:41
